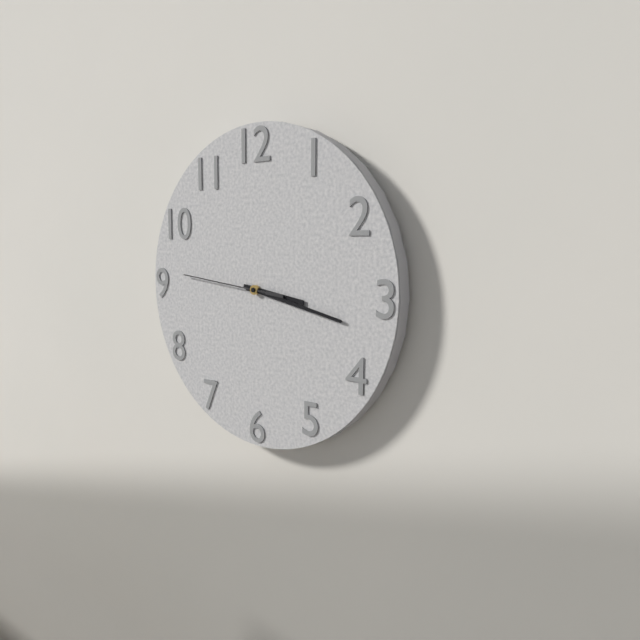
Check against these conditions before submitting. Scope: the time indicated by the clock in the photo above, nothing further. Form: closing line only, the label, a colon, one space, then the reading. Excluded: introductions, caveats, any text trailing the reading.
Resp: 3:17:46
